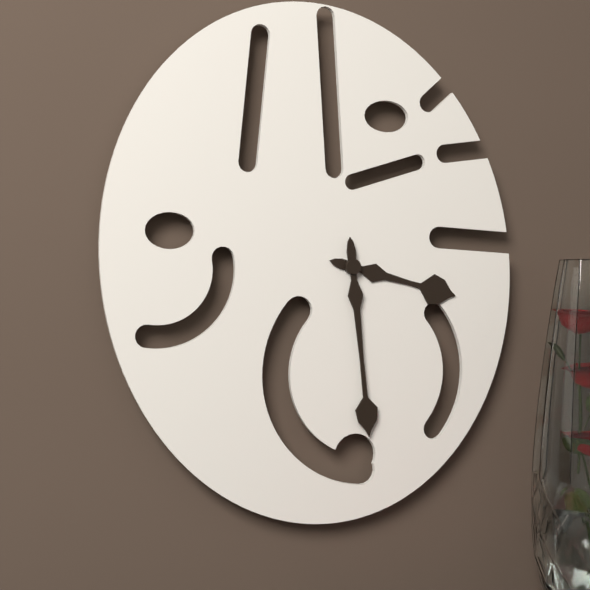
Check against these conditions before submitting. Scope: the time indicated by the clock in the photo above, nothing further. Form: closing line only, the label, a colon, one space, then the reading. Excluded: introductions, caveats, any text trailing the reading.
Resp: 3:29
